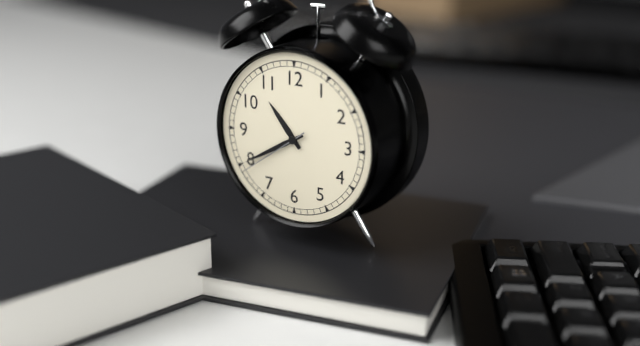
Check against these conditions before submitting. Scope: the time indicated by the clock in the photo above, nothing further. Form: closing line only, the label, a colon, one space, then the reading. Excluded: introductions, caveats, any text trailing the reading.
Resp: 10:40:39
